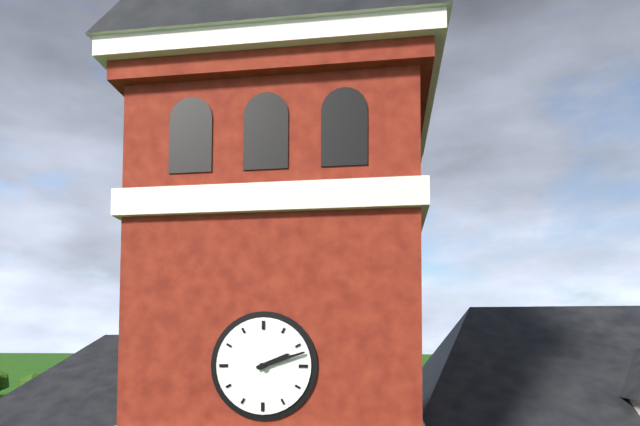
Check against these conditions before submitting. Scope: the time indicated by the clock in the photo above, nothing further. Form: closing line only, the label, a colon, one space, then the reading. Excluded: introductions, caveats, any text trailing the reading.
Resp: 2:12
